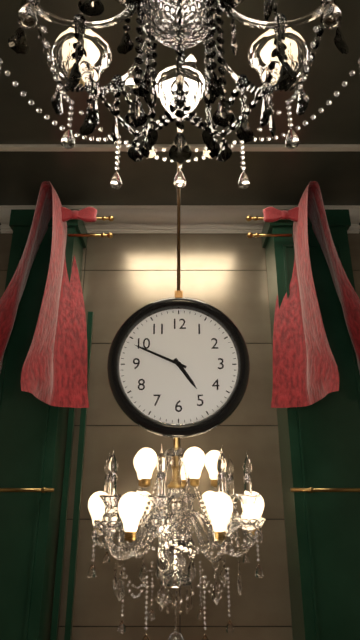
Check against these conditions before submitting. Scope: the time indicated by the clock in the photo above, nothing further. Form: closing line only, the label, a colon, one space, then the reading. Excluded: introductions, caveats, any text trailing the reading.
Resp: 4:49
